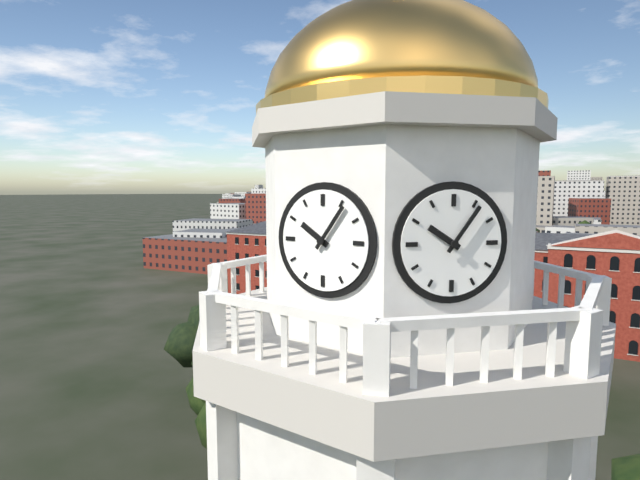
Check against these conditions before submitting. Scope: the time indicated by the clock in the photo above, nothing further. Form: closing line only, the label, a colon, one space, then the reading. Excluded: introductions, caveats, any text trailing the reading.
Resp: 10:06
